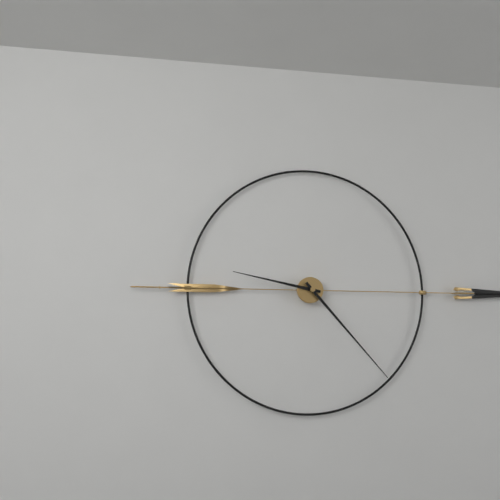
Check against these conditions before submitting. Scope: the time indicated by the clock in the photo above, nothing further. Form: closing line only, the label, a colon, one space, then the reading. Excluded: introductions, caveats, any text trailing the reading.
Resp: 9:23
